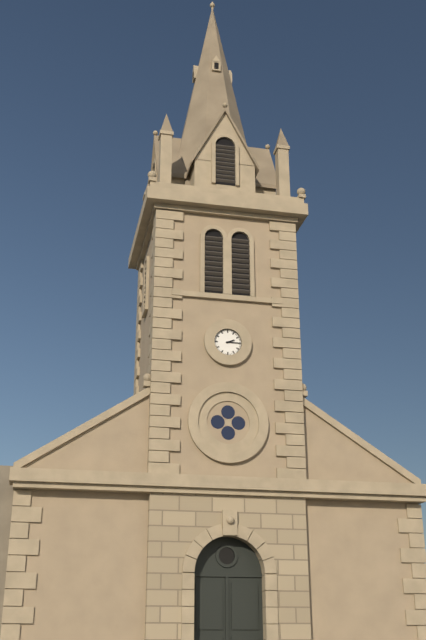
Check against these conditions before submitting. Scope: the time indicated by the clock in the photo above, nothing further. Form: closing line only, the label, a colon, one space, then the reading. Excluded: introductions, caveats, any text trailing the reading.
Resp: 2:15
